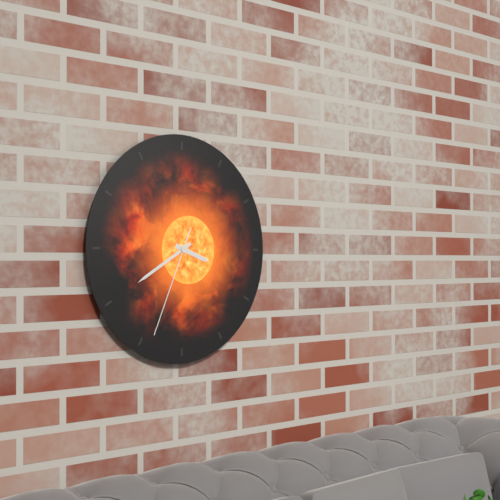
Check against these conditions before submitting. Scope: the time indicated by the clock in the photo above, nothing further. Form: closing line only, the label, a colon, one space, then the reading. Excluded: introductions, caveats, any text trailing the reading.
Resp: 3:40:34
